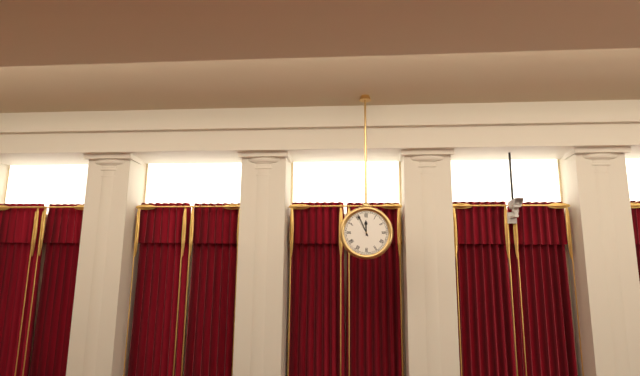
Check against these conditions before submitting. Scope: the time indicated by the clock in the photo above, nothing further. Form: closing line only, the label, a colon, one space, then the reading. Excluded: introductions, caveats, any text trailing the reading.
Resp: 11:56
